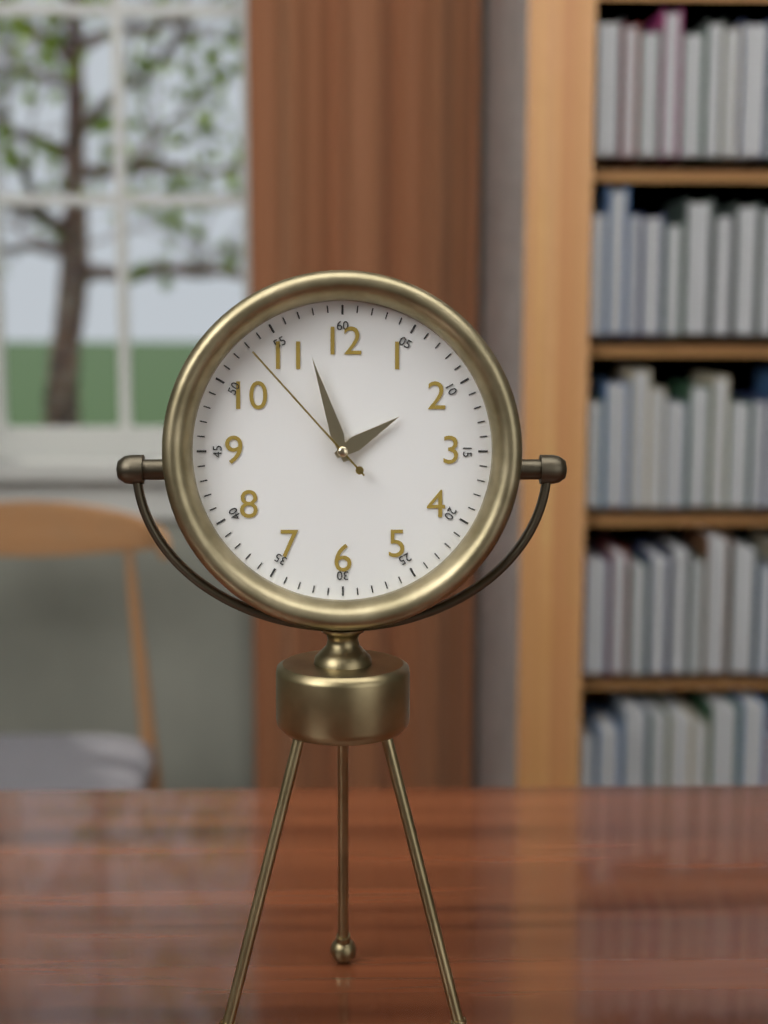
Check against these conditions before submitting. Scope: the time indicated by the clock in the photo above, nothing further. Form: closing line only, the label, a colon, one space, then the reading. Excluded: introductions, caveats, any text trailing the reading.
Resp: 1:57:53
